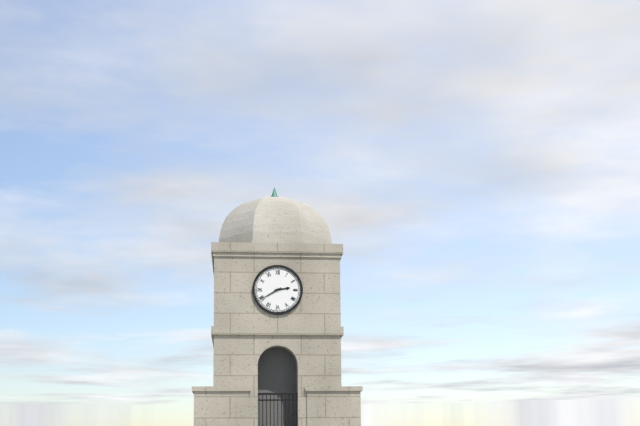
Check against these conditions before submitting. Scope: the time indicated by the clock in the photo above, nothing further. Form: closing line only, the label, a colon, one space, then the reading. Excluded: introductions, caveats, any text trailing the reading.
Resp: 2:40
